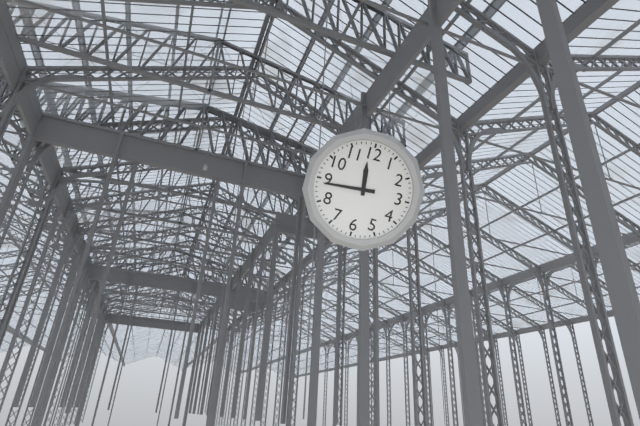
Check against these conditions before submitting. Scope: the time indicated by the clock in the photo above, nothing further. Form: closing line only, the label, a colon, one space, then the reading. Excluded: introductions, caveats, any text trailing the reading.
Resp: 11:44
